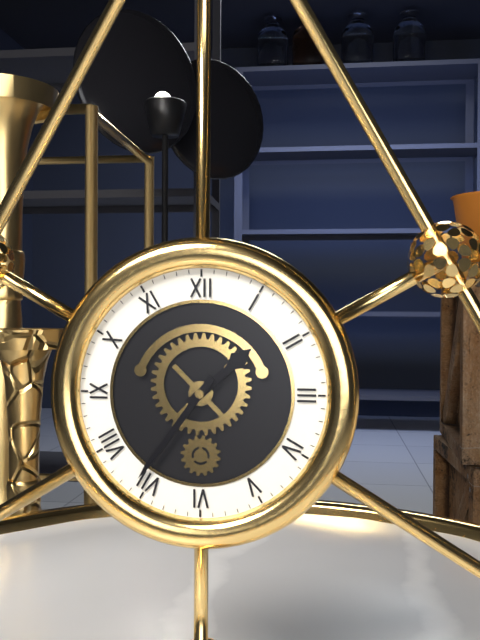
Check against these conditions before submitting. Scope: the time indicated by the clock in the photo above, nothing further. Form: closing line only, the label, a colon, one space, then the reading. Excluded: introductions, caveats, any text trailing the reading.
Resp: 1:36
